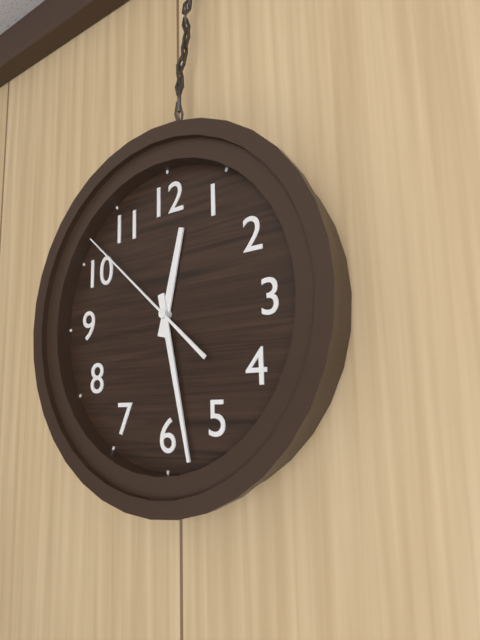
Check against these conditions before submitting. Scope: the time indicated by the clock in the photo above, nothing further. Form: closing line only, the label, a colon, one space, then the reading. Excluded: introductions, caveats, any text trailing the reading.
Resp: 12:28:52
